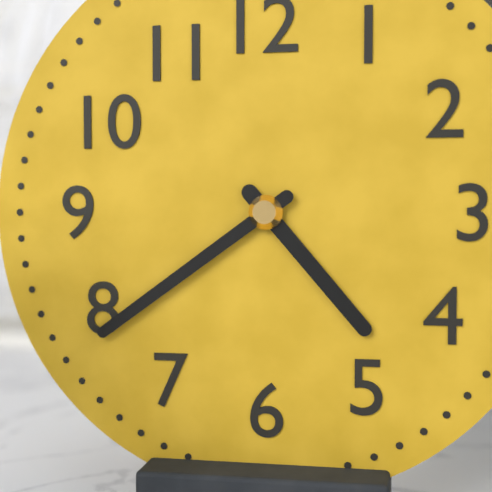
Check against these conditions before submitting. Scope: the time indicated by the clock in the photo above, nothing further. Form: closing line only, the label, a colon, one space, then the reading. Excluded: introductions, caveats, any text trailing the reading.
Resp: 4:39
